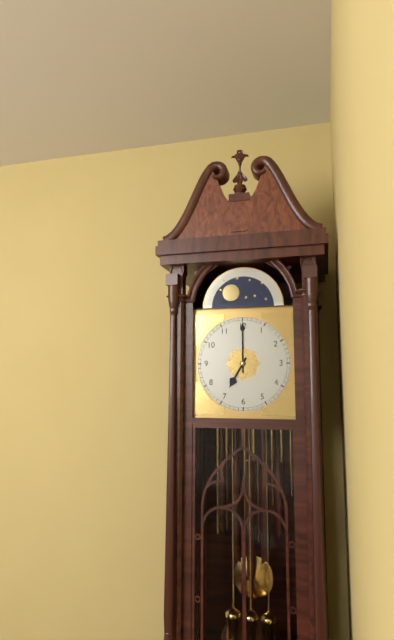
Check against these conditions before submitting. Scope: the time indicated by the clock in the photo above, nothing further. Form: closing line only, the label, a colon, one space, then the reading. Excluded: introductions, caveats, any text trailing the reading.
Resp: 7:00
